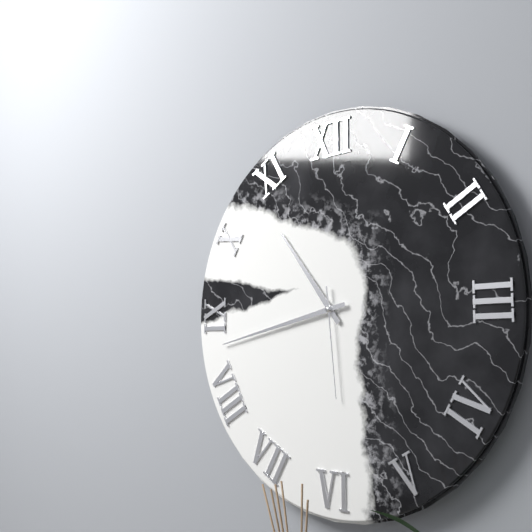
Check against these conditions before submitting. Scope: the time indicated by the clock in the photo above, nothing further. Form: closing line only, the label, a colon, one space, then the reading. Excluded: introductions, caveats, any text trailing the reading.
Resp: 10:43:29
